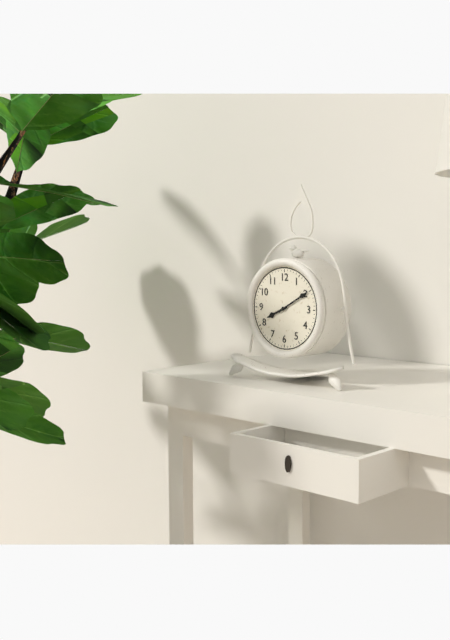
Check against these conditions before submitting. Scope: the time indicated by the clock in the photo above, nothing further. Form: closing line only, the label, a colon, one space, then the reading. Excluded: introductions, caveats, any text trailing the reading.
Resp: 8:10
